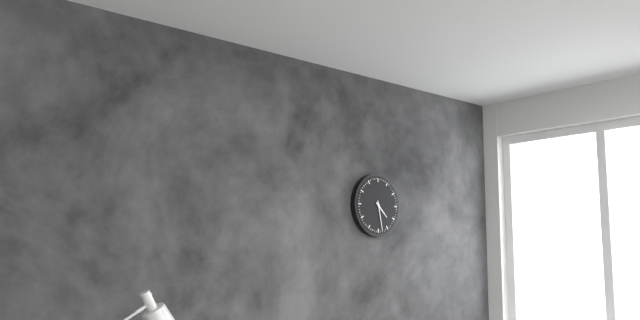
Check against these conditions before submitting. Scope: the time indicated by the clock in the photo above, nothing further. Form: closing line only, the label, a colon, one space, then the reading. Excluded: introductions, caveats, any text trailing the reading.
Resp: 4:28
